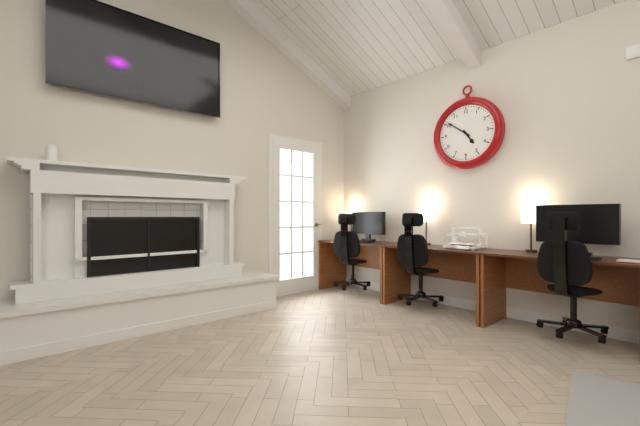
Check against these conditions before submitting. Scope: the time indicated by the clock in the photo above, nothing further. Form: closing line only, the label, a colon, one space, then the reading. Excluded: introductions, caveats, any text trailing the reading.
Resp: 4:51
